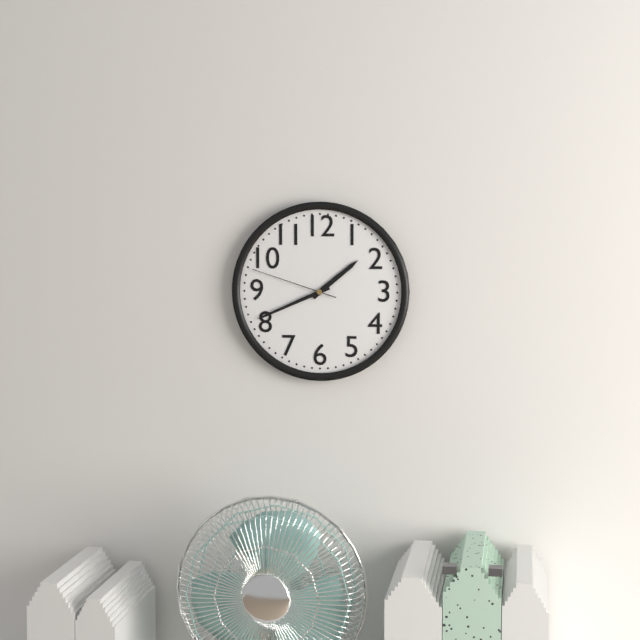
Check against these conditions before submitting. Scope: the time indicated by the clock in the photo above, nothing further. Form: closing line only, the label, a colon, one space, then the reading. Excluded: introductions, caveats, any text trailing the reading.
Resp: 1:41:48
